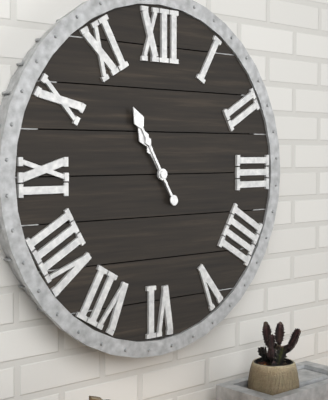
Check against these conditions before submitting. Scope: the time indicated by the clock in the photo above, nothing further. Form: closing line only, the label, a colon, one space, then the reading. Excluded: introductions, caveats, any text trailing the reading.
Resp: 10:55
